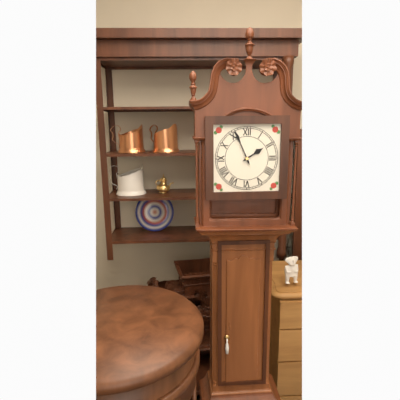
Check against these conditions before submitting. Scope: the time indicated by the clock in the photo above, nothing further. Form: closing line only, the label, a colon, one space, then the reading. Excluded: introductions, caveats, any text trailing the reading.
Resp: 1:56
